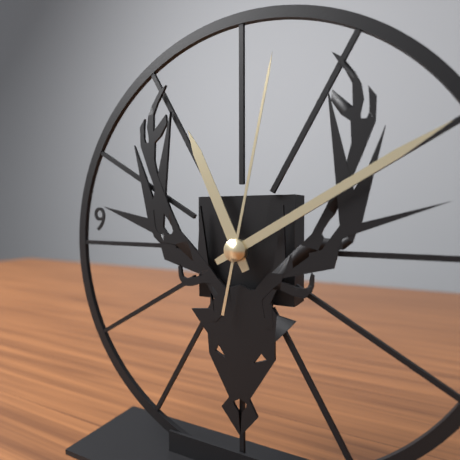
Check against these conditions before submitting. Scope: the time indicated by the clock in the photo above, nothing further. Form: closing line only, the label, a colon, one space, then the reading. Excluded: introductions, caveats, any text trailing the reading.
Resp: 11:10:02
